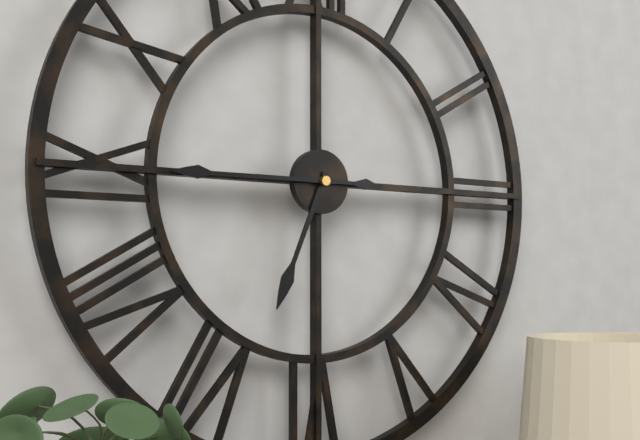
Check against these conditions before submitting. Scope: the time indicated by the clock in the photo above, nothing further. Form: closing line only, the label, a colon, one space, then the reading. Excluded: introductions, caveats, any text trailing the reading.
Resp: 6:45
